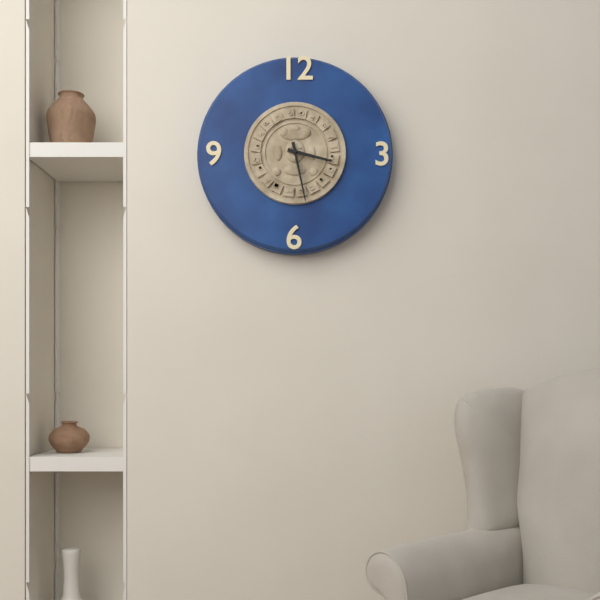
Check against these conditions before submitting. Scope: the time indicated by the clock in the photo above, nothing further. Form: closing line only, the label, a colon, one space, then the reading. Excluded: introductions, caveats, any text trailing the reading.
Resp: 3:28
